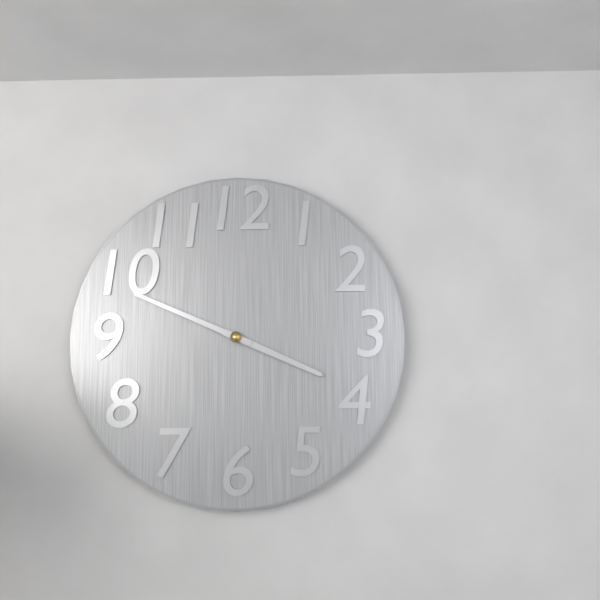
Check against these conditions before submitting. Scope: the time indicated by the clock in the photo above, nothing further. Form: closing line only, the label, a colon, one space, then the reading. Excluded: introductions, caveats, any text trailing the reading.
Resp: 3:49
